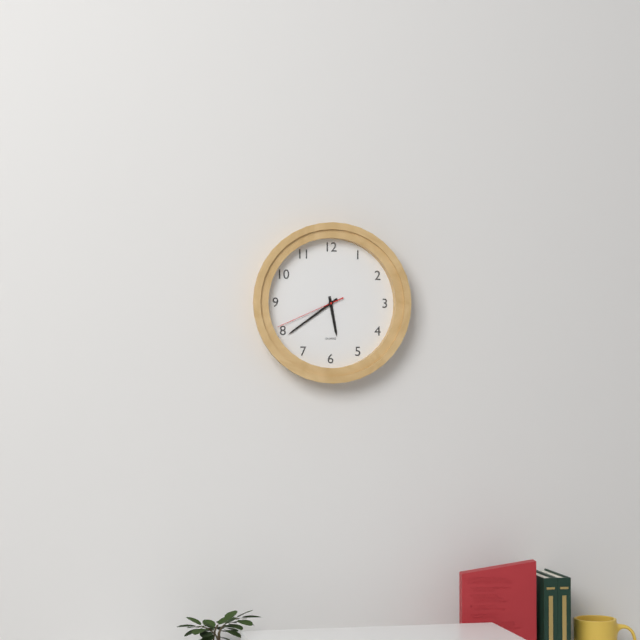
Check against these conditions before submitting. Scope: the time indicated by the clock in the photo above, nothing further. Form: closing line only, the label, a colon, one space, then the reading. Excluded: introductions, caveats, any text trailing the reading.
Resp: 5:39:41
